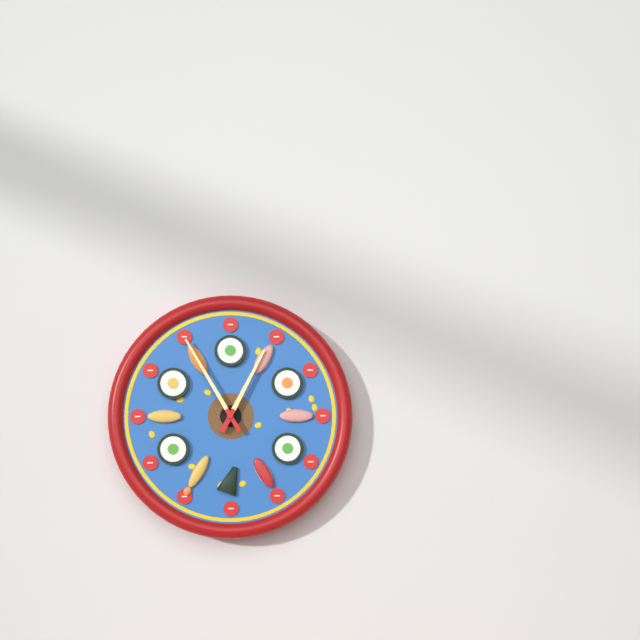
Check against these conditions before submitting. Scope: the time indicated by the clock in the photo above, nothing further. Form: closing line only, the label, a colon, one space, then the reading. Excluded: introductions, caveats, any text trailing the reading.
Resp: 12:55
